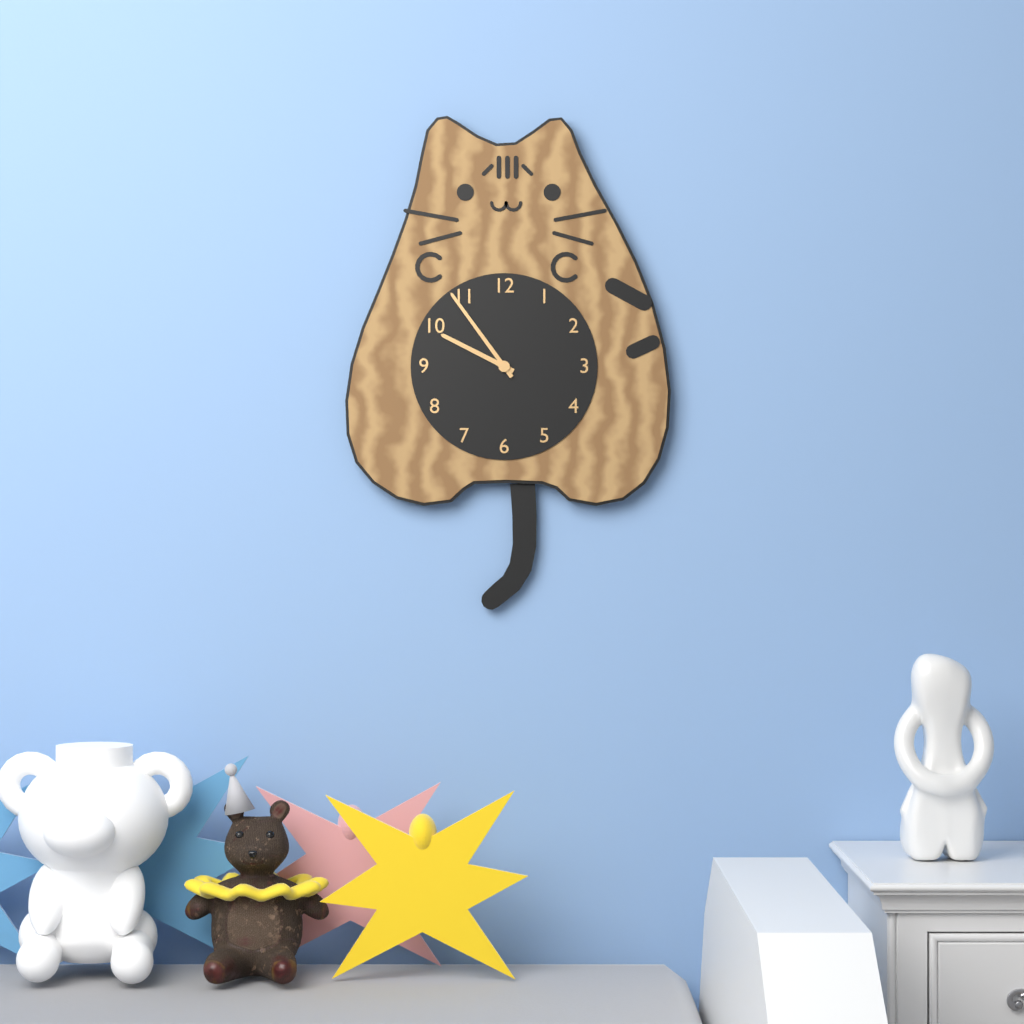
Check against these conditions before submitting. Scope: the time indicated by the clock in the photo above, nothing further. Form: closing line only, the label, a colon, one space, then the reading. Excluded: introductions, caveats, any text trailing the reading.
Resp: 9:54
